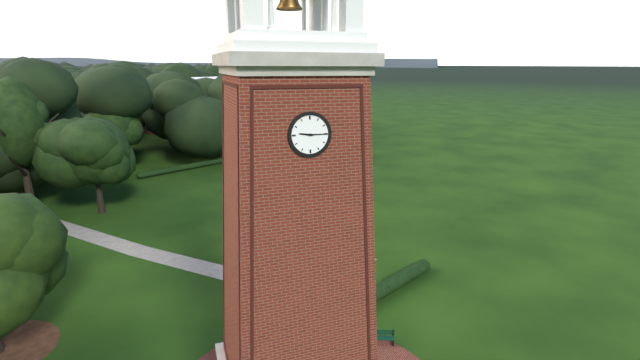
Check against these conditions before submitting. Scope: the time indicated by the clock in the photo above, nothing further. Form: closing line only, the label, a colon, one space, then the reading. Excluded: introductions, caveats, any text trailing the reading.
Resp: 9:15
